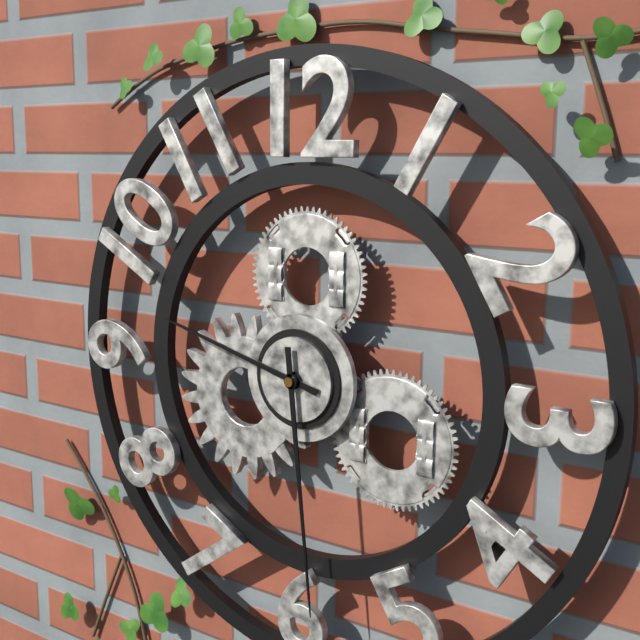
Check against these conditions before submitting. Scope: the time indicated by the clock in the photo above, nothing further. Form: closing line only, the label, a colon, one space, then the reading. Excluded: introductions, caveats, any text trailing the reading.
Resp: 9:29
